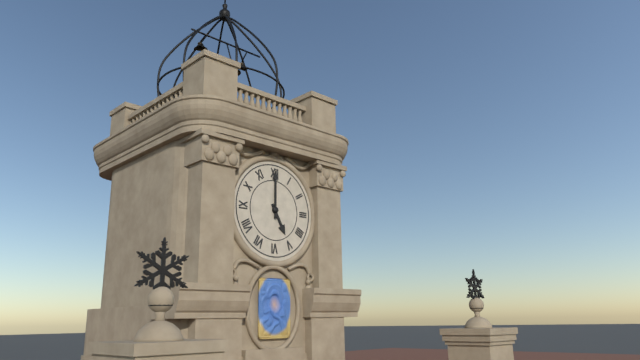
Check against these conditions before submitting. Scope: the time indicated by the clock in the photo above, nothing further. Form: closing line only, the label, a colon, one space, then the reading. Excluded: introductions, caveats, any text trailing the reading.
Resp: 5:00
